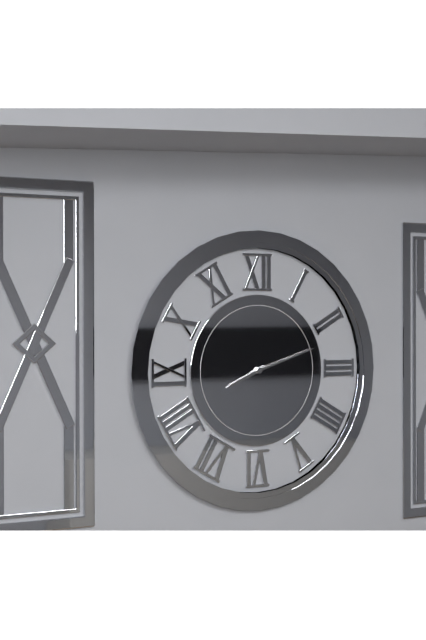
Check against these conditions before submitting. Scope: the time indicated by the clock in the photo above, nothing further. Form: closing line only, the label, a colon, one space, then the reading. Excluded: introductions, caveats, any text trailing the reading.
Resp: 8:12
